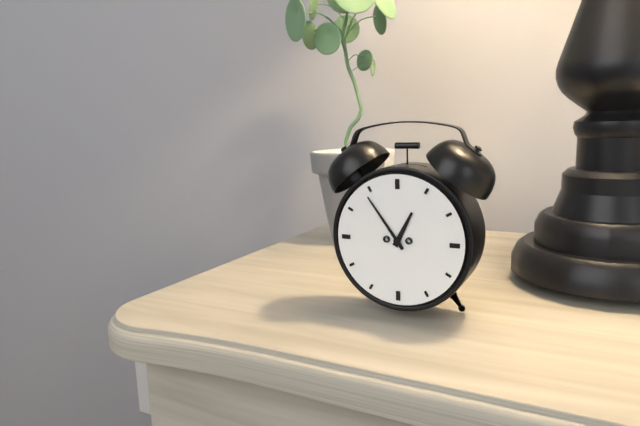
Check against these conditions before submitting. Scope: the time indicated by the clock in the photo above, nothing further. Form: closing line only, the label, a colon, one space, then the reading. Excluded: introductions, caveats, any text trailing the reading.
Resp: 12:54
